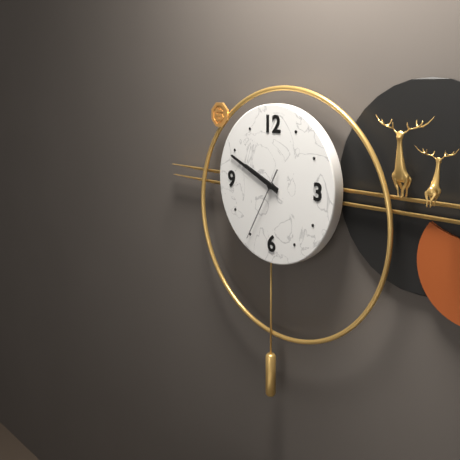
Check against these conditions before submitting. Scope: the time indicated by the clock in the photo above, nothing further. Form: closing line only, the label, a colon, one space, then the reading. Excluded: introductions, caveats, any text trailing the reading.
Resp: 9:49:35
